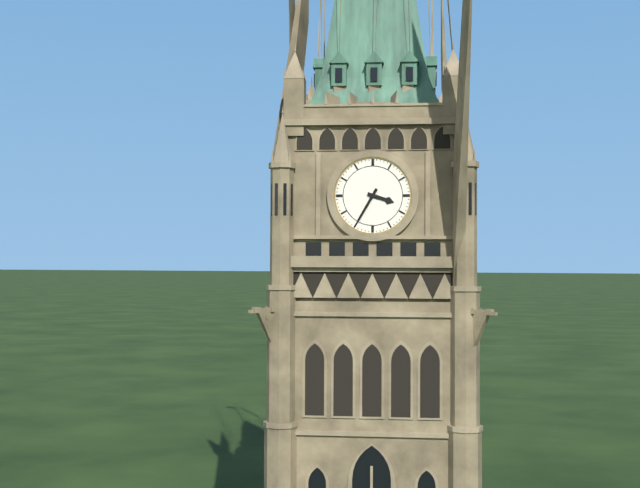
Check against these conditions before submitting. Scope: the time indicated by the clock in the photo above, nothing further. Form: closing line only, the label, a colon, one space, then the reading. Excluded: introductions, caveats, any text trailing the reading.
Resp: 3:35
